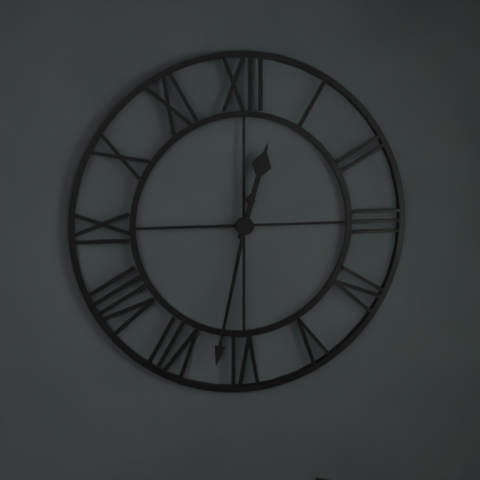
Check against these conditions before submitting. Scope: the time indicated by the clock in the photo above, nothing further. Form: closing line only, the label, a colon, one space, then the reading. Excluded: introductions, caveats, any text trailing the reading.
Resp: 12:32
